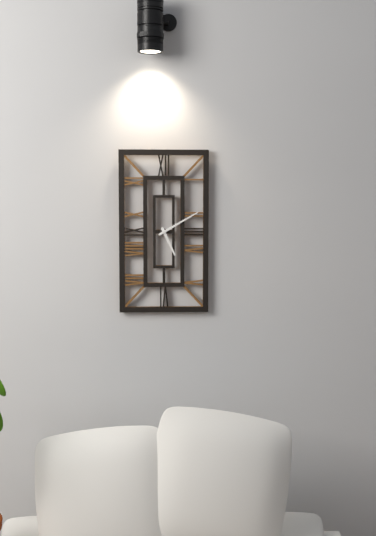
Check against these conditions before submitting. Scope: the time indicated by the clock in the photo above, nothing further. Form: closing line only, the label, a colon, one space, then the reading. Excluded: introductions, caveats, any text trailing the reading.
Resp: 5:10
